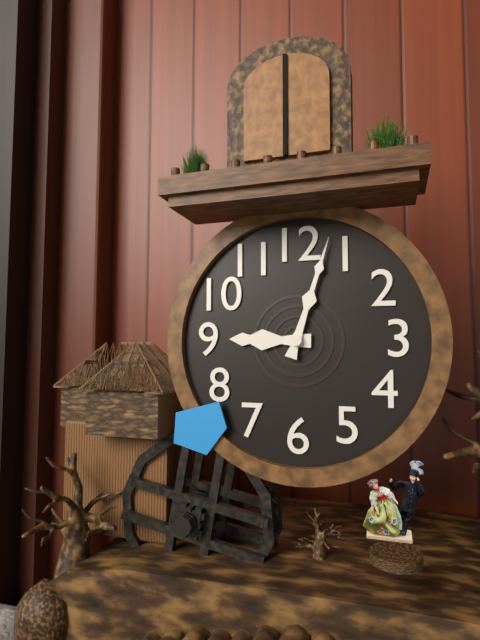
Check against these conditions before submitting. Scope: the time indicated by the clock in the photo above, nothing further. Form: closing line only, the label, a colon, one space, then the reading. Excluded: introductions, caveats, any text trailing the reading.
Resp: 9:03
